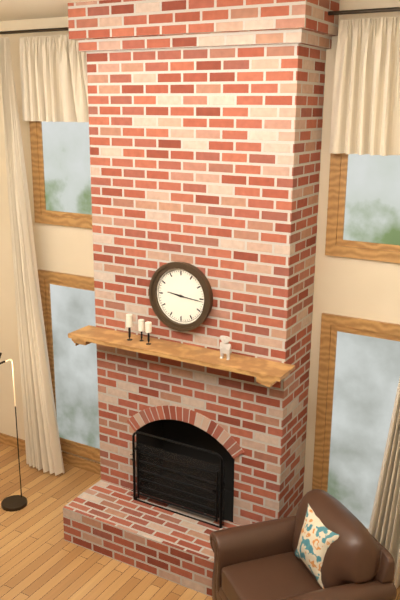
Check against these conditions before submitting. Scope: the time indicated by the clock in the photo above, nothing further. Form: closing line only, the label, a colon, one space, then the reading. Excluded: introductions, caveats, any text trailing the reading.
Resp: 9:16
